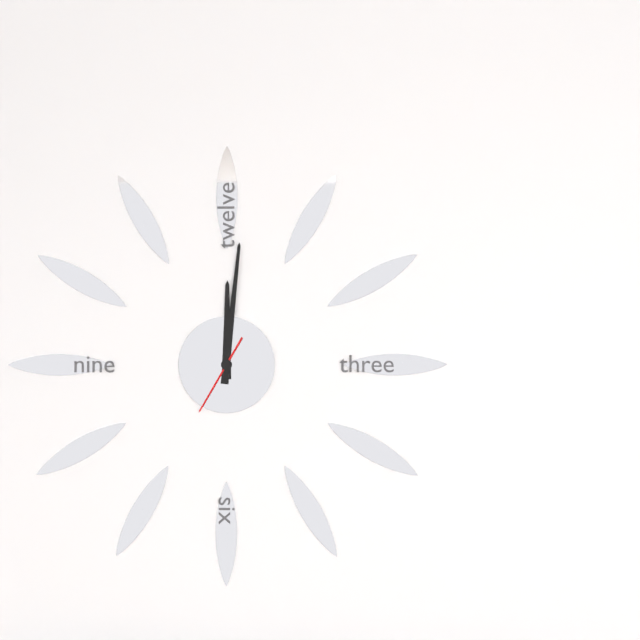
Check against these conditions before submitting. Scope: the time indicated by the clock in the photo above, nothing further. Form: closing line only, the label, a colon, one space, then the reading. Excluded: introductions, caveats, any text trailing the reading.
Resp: 12:01:35
